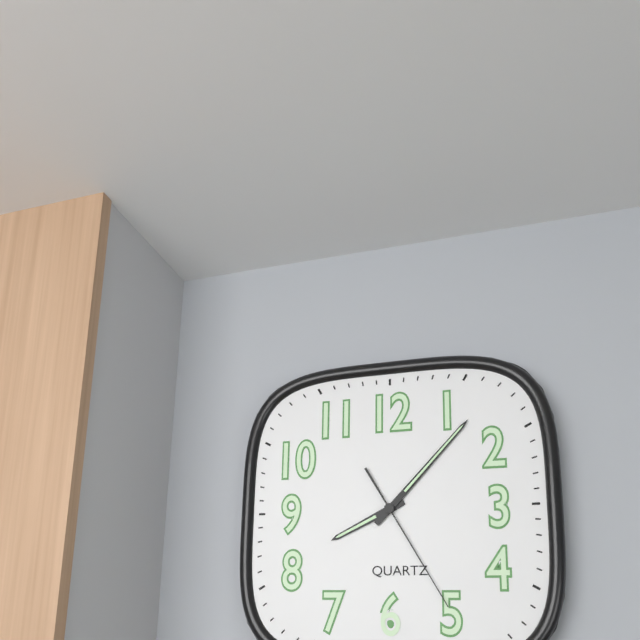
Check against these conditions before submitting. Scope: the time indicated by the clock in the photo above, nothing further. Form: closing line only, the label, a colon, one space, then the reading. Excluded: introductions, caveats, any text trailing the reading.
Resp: 8:07:25
